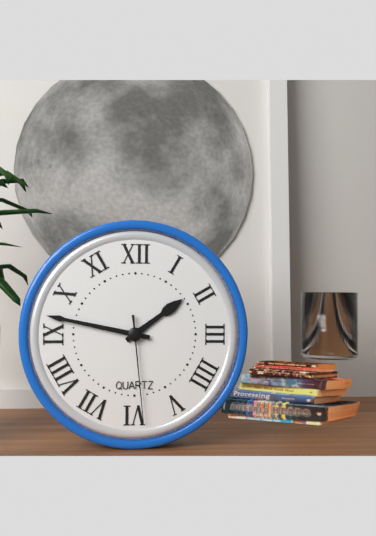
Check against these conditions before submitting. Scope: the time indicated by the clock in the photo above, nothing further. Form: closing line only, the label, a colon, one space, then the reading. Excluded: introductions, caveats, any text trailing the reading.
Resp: 1:47:29
